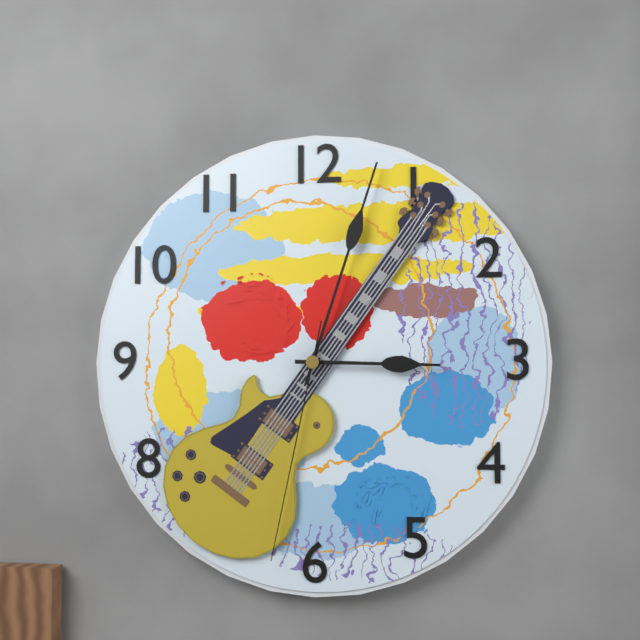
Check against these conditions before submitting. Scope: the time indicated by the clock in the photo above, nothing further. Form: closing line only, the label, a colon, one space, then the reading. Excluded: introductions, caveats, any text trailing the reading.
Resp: 3:03:32
